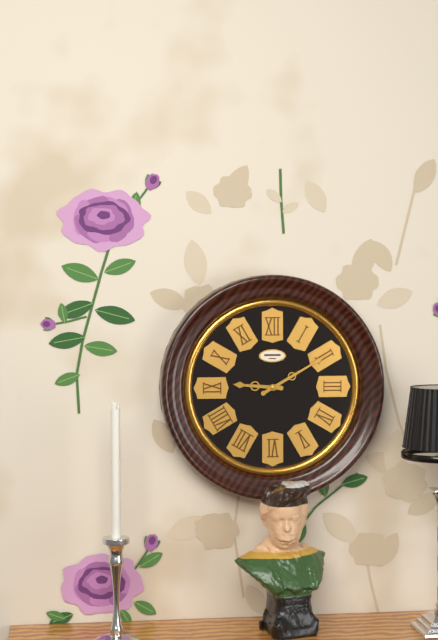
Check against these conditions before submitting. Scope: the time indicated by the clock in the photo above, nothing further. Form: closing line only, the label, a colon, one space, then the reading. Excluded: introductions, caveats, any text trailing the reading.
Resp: 9:10
